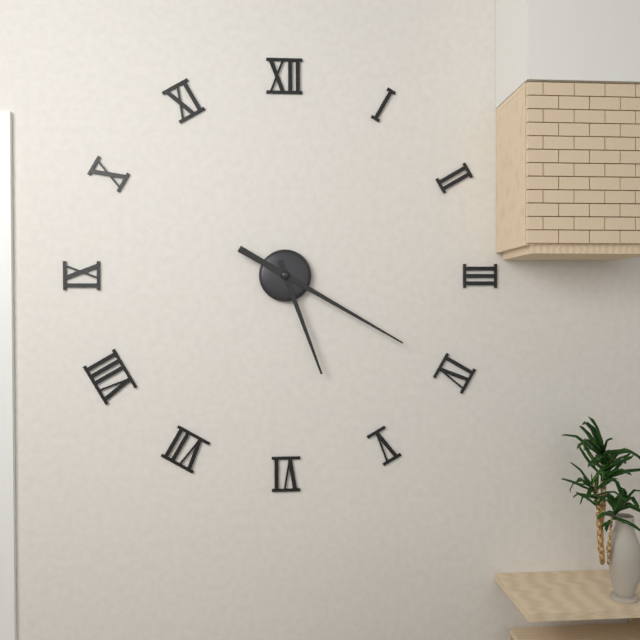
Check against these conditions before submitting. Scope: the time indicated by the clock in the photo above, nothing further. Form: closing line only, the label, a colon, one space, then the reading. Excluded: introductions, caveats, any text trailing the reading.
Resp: 5:20
